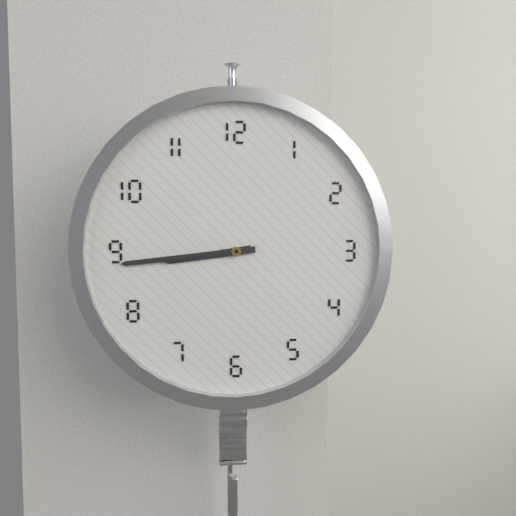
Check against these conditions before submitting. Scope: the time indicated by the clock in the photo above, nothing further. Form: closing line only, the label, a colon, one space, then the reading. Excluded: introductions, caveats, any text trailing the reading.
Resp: 8:44
